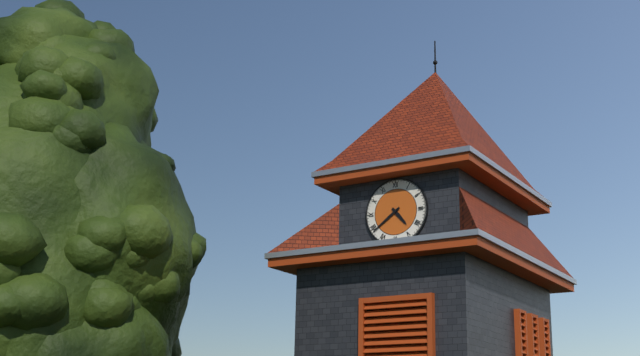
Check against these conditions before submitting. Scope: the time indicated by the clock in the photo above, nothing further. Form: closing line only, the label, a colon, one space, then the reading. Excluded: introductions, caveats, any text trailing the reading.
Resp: 4:39
